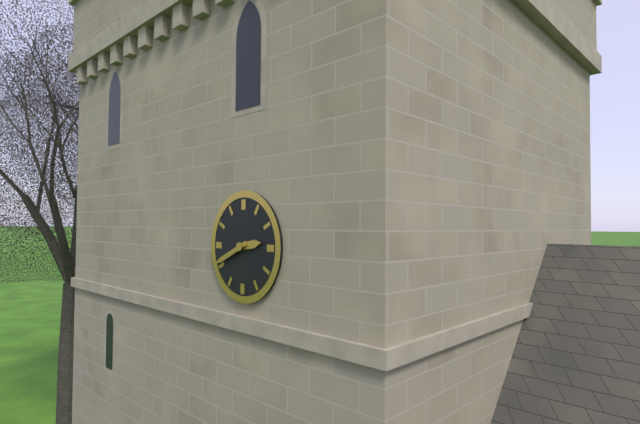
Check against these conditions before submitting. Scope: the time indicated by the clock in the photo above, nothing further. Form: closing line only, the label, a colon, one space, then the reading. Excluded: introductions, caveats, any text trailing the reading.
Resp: 2:41
